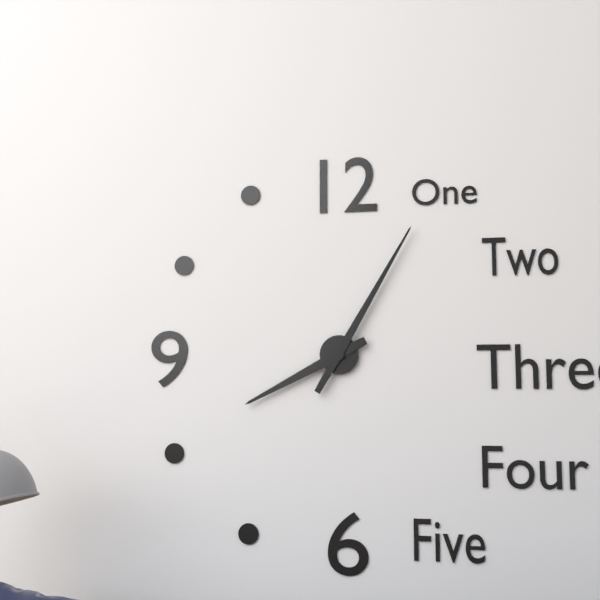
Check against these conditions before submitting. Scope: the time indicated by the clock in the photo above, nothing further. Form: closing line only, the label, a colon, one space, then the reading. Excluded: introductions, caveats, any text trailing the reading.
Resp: 8:05
